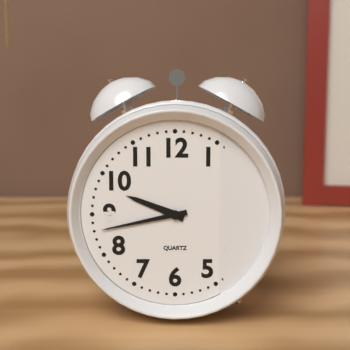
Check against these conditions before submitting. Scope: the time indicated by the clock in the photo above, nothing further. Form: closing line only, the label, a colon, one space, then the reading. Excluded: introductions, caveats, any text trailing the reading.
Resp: 9:43
